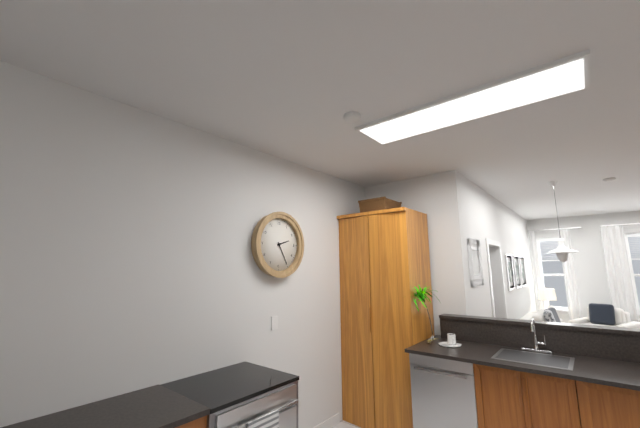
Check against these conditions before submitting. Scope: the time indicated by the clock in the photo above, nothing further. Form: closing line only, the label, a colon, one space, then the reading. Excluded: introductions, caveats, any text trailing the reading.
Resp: 2:25
